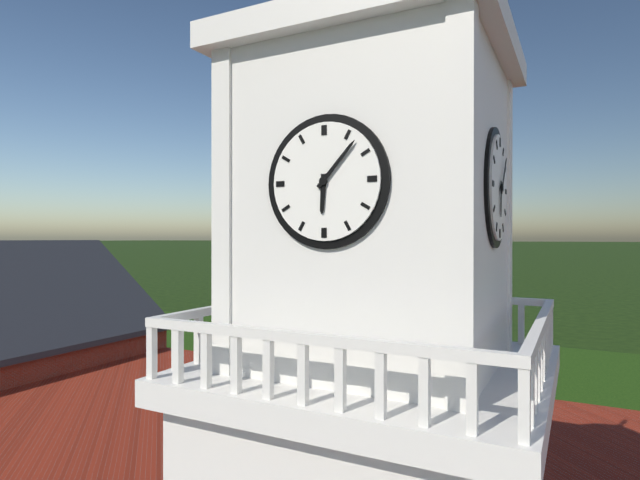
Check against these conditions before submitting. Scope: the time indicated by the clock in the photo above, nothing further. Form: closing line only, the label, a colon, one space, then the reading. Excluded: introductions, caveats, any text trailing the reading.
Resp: 6:07
